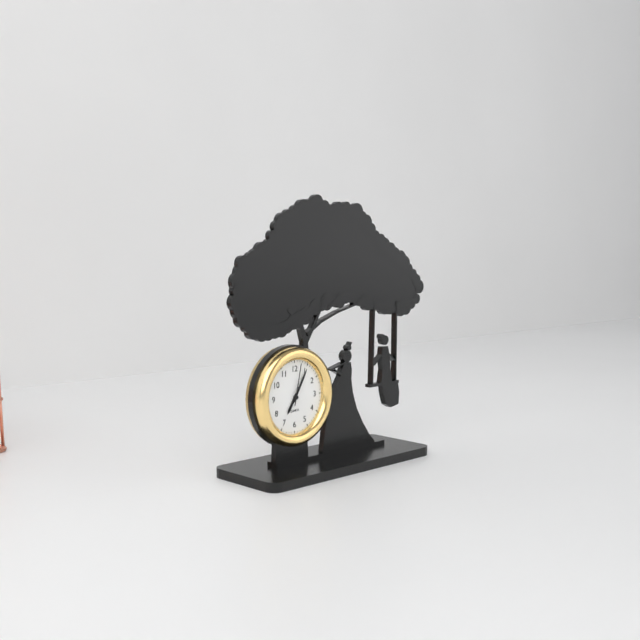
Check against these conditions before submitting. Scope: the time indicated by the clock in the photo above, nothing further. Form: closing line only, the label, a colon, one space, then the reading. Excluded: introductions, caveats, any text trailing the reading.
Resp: 7:05
